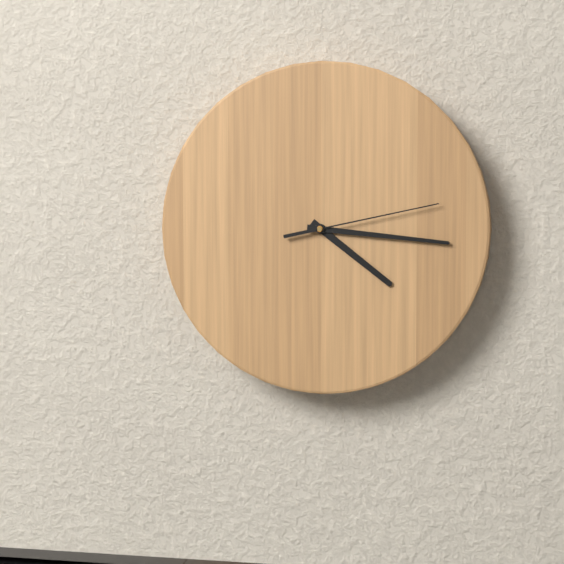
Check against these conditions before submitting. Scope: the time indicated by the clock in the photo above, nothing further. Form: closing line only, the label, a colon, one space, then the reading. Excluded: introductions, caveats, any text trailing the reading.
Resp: 4:16:13
